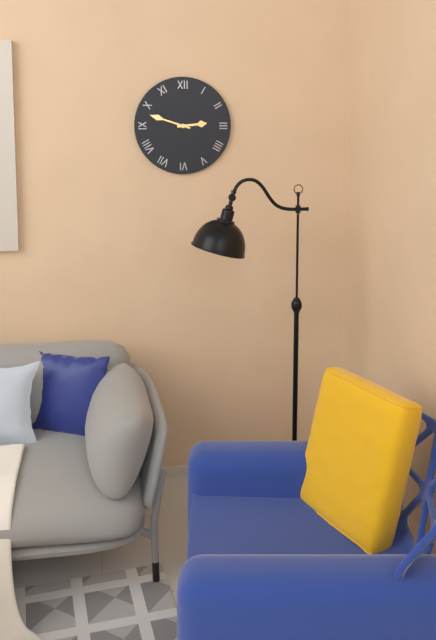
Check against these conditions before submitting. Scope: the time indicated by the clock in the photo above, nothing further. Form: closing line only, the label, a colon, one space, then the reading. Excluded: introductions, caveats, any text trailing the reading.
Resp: 2:48
